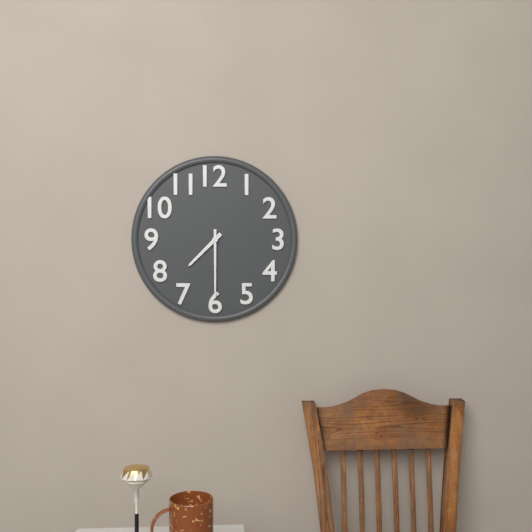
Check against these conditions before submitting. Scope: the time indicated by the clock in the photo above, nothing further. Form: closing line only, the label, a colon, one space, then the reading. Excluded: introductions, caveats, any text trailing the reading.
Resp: 7:30
